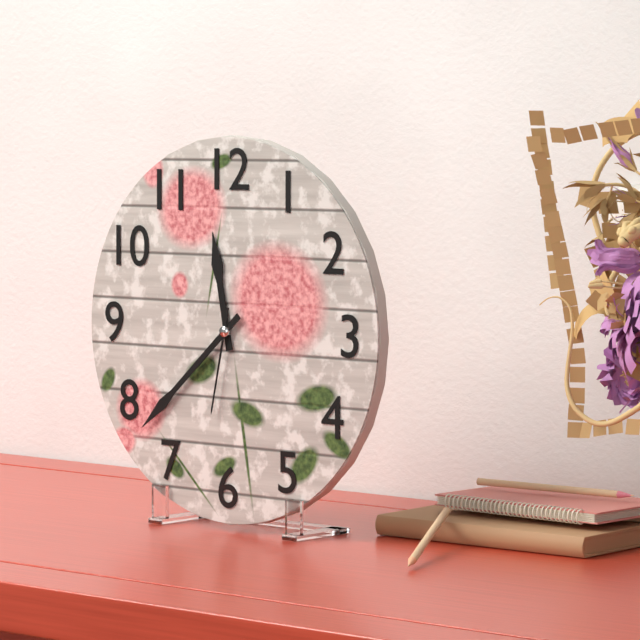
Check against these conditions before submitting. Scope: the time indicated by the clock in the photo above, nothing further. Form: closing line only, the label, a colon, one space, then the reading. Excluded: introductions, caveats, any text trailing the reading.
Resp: 11:38:32
